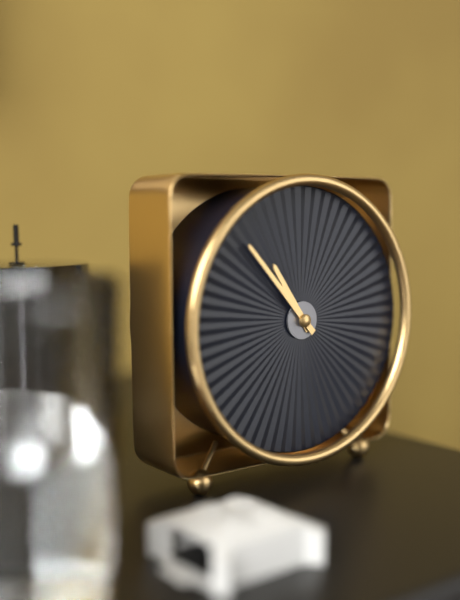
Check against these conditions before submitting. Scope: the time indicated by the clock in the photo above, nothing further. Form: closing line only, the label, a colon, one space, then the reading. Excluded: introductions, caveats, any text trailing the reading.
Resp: 10:53
